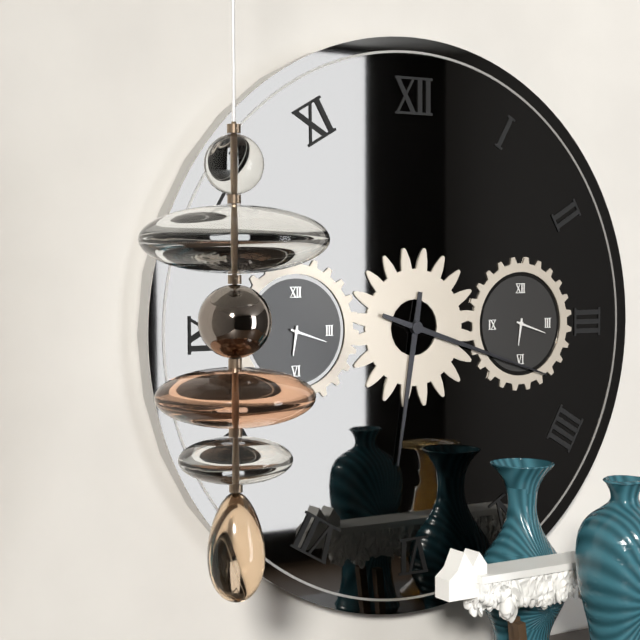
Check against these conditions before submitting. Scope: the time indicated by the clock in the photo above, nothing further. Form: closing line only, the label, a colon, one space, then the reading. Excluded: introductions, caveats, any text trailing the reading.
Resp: 6:18
